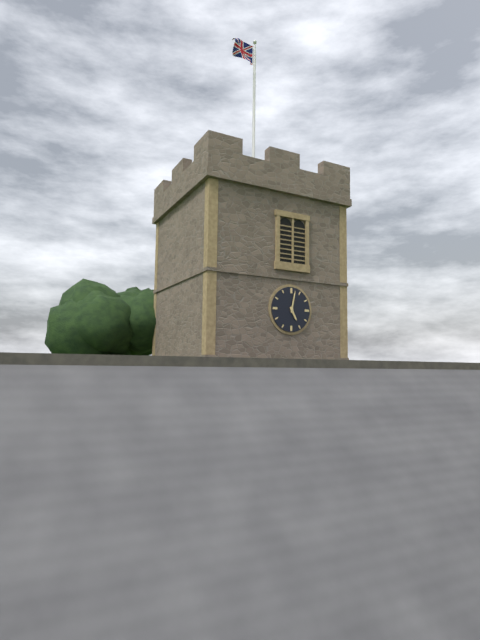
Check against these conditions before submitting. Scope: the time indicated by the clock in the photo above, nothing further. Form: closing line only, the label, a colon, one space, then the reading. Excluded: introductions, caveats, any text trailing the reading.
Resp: 5:02
